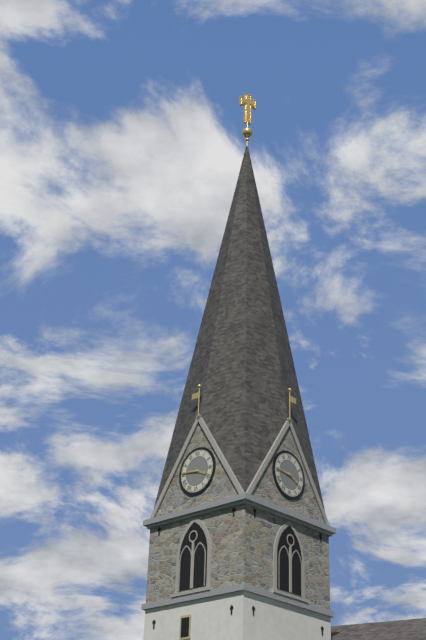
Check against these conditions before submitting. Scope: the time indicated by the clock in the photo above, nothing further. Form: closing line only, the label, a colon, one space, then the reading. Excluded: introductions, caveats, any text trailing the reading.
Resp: 3:46
